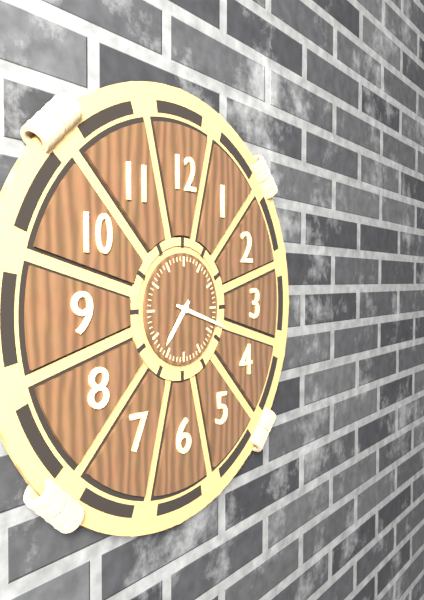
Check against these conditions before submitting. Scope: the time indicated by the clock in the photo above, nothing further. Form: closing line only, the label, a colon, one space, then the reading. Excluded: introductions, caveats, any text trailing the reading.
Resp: 7:18
